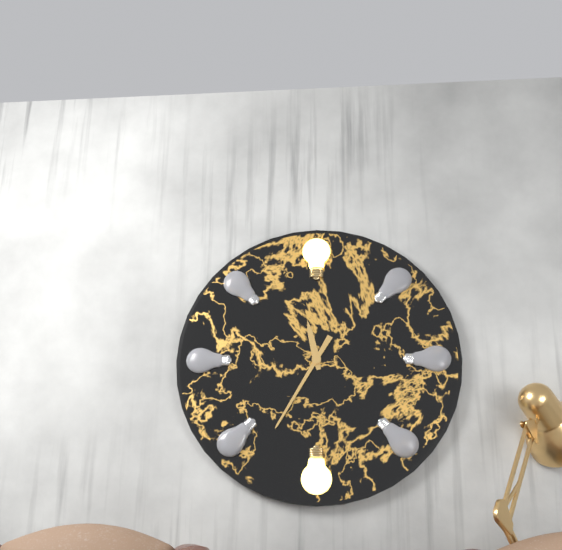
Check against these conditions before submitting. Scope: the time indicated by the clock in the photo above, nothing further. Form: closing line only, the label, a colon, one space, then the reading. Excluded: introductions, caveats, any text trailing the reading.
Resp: 11:35
